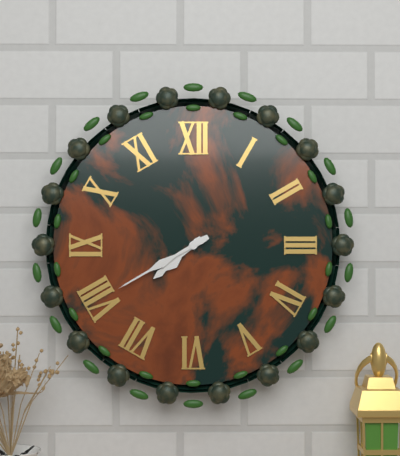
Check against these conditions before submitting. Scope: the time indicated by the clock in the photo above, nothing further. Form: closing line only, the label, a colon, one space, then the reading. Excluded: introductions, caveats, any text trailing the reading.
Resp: 7:40
